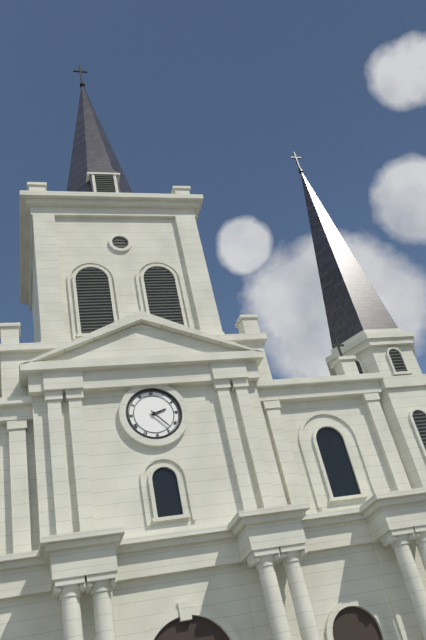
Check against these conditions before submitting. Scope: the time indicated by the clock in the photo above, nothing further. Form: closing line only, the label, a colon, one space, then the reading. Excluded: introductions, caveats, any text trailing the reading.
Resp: 2:23
